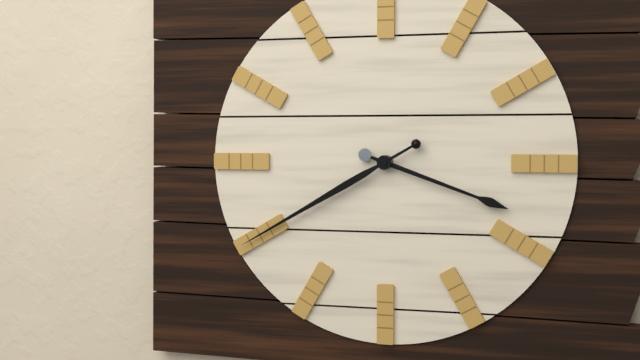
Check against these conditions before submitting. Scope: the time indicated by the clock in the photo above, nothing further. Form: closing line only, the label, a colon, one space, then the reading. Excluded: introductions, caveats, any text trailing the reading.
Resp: 3:40
